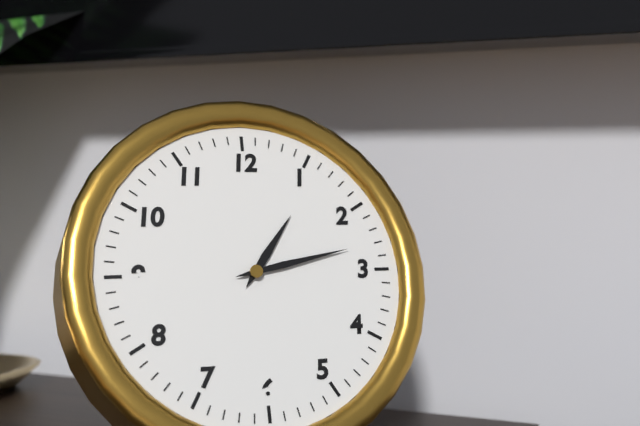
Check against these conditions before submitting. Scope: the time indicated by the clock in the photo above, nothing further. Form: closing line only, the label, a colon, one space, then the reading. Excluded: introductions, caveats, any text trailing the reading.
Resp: 1:13
